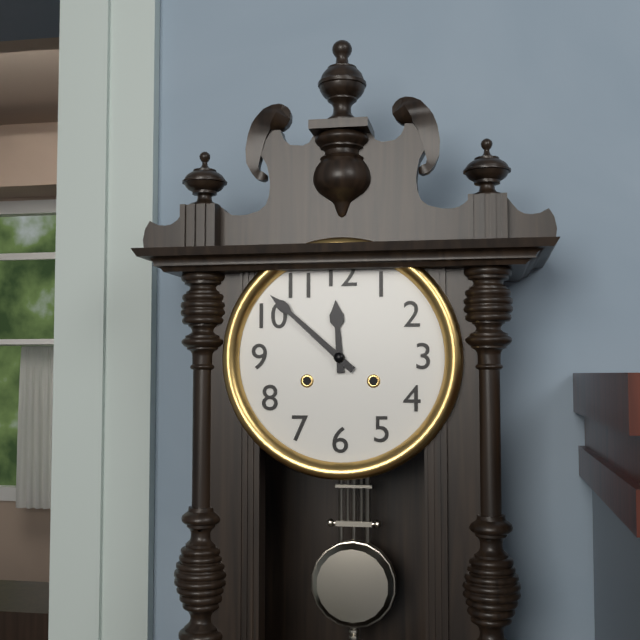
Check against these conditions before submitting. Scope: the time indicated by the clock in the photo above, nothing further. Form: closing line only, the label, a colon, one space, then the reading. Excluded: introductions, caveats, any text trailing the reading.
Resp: 11:52
